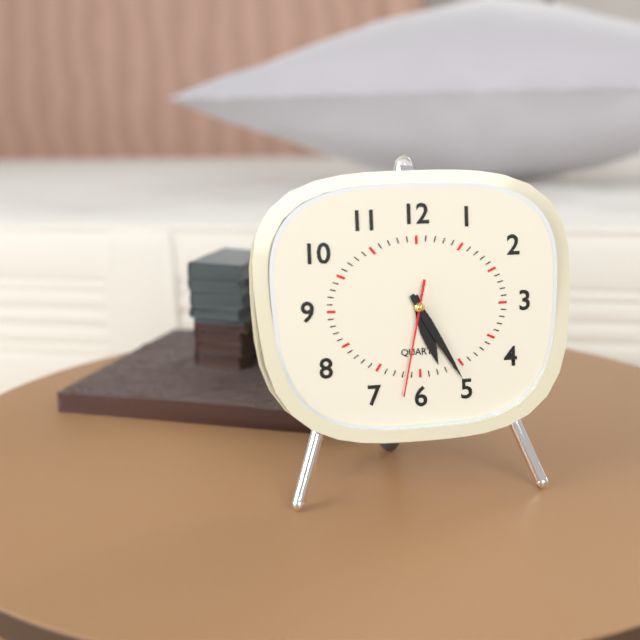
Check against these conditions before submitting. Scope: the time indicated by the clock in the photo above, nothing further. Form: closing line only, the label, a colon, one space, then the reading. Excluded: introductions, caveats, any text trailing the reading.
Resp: 5:25:32
